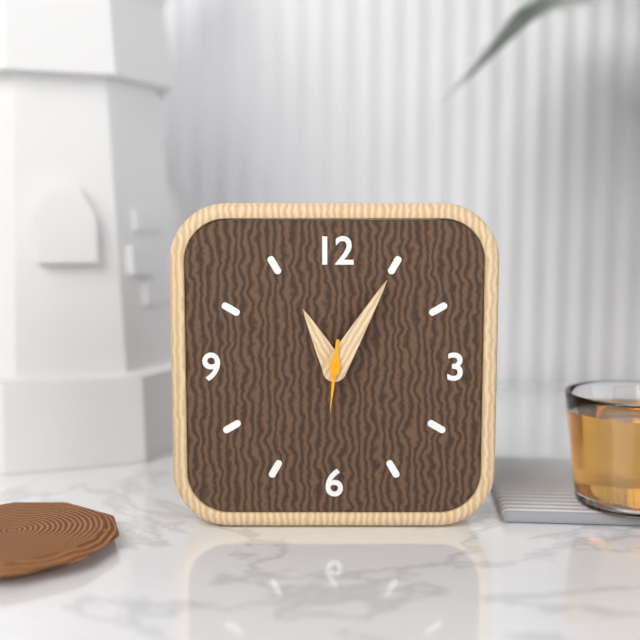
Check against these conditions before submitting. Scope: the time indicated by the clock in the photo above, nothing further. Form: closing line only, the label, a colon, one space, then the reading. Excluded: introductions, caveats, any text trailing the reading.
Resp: 11:05:31
